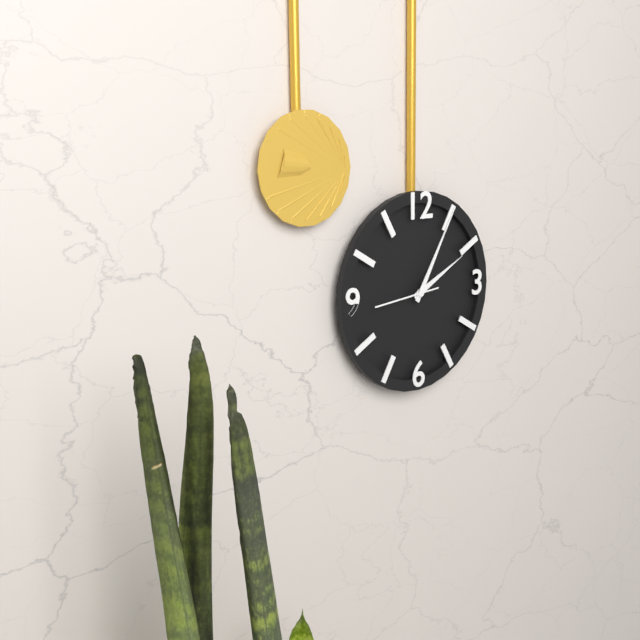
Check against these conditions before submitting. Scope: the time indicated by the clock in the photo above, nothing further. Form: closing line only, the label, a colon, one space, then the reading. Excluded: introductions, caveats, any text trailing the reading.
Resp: 2:05
